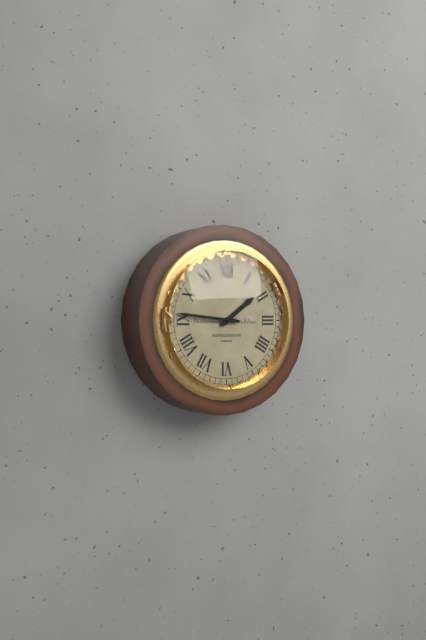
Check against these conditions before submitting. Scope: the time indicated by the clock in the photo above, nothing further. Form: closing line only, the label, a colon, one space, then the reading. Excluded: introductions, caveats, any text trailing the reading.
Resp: 1:46
